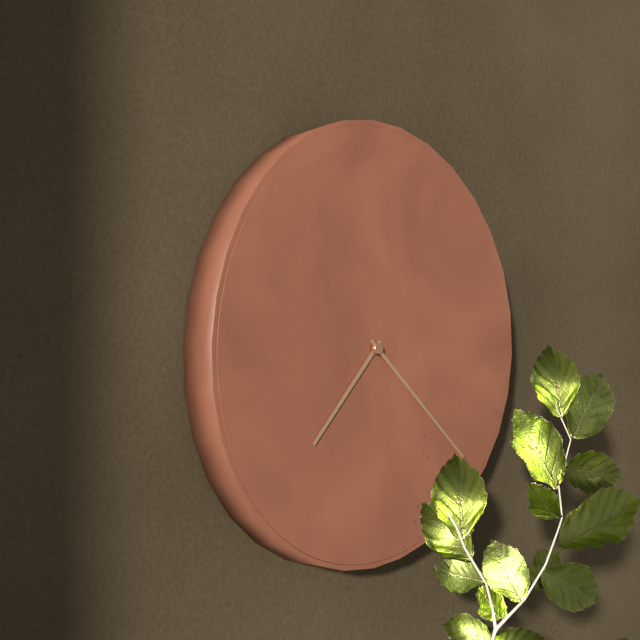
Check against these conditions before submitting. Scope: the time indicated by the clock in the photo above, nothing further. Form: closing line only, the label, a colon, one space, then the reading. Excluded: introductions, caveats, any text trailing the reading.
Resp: 7:22
